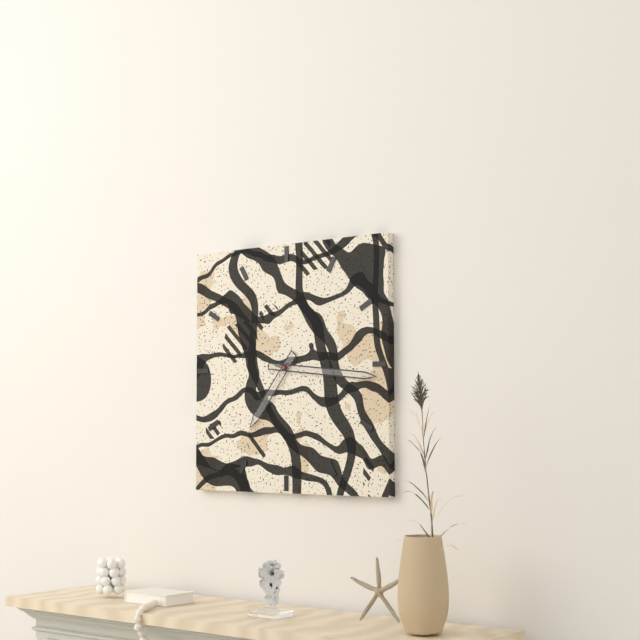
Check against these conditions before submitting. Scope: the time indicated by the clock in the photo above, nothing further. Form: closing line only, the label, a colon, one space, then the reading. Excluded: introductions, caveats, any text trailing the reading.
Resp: 7:16
